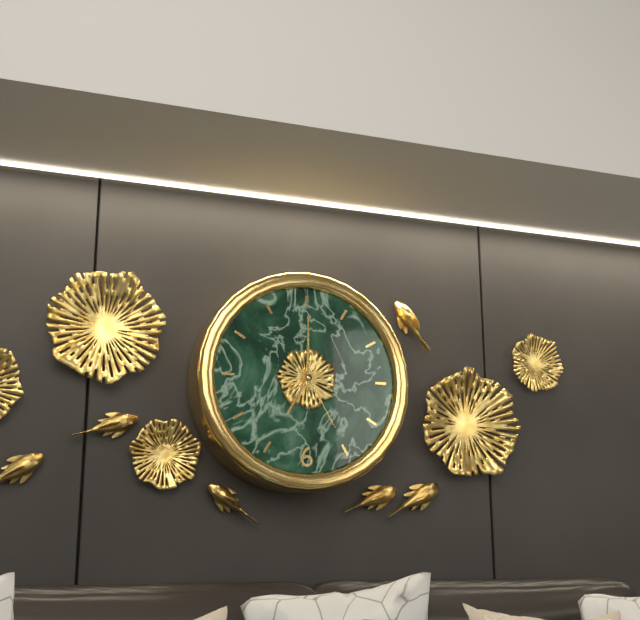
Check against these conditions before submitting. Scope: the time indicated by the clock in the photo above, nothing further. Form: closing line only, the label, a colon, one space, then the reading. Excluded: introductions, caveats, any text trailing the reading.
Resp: 7:00:25
